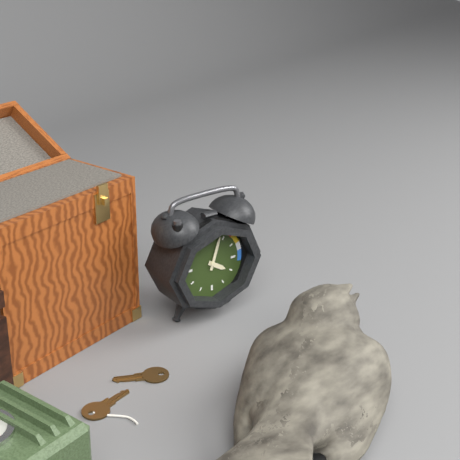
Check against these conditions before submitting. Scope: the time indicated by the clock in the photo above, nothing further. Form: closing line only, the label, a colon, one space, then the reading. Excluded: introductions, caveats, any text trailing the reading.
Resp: 4:03
